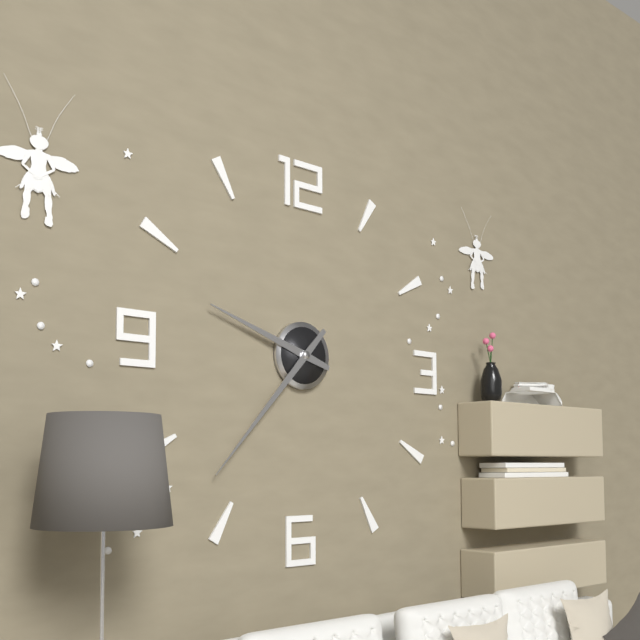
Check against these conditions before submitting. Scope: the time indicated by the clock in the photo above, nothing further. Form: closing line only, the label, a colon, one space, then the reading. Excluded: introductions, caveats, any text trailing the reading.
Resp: 9:37
